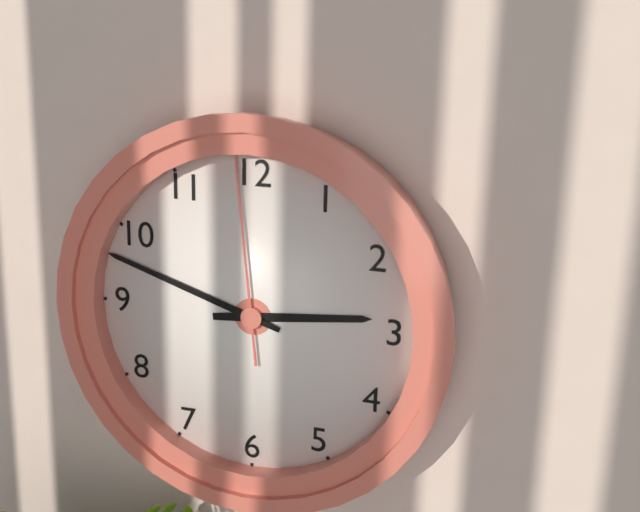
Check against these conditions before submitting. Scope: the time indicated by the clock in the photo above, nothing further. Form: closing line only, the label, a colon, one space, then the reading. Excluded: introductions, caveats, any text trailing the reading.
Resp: 2:48:59
